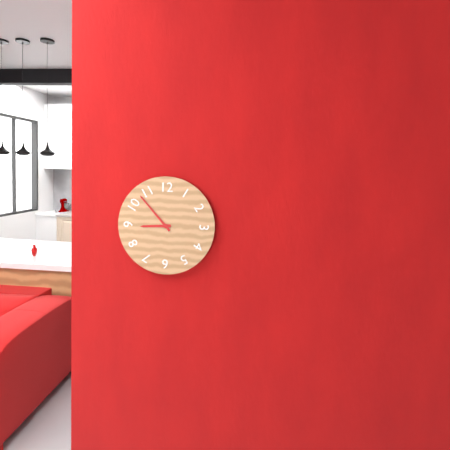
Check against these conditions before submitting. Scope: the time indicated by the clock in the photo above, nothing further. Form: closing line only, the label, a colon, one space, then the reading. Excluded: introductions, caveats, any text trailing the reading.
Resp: 8:53
